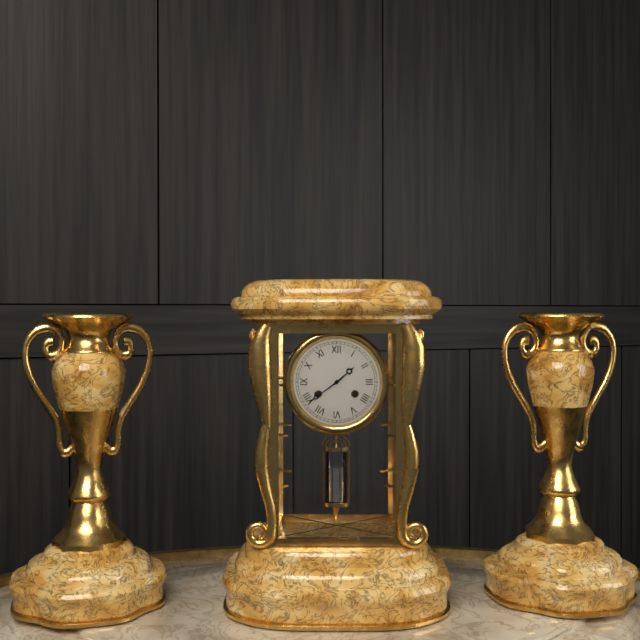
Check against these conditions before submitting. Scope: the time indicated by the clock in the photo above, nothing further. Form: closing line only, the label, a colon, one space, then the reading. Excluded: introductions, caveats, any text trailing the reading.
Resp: 1:39
